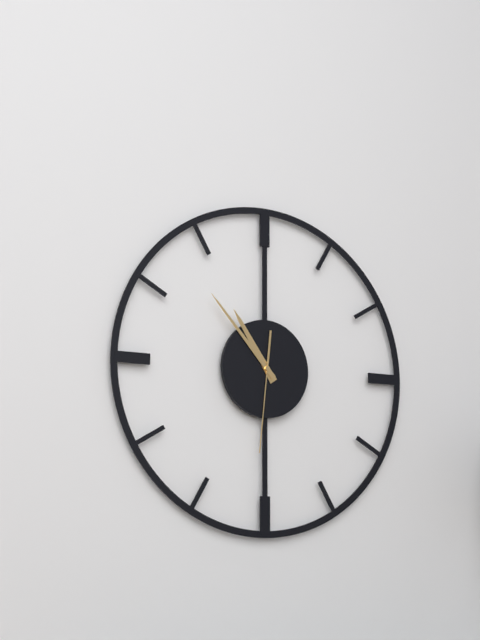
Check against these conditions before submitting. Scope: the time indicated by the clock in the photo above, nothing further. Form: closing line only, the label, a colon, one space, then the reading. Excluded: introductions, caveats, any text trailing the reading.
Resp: 10:53:31
